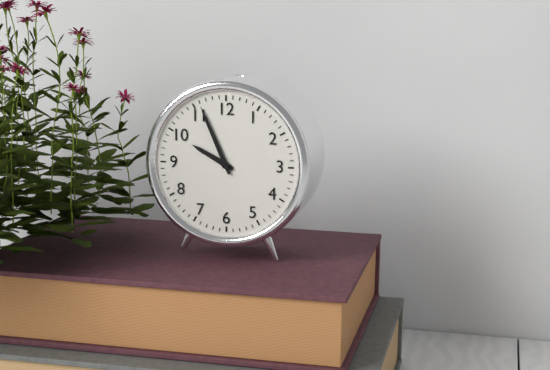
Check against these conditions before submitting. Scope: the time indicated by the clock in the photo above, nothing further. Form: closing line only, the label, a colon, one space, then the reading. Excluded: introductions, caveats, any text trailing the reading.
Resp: 9:56
